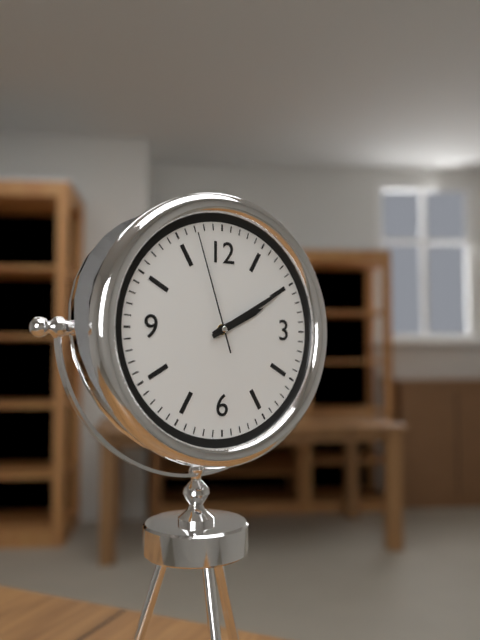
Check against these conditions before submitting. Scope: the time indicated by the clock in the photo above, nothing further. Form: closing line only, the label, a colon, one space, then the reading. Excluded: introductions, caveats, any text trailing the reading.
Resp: 2:10:57
